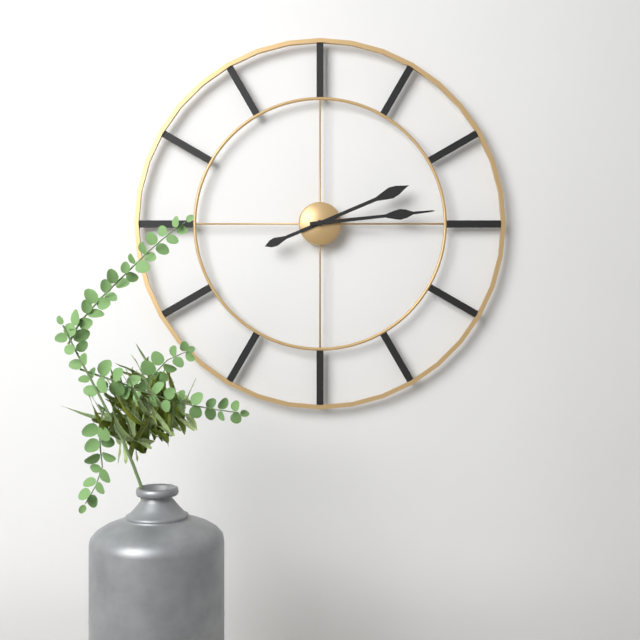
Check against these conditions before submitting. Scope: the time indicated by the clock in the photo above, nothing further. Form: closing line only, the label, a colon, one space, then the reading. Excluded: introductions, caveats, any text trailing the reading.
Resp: 2:14
